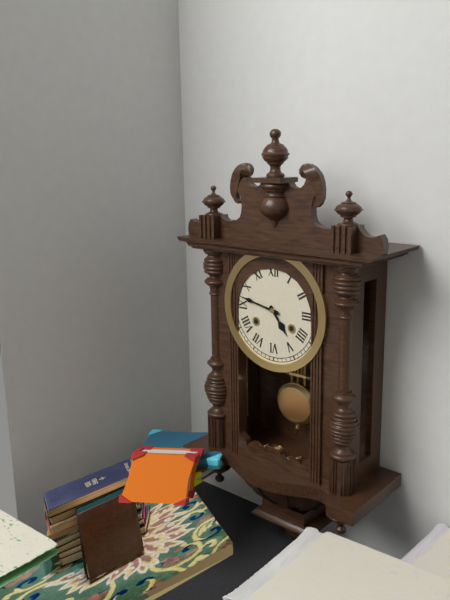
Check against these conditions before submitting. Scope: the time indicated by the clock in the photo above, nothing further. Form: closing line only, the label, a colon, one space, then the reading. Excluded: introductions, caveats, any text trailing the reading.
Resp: 4:47
